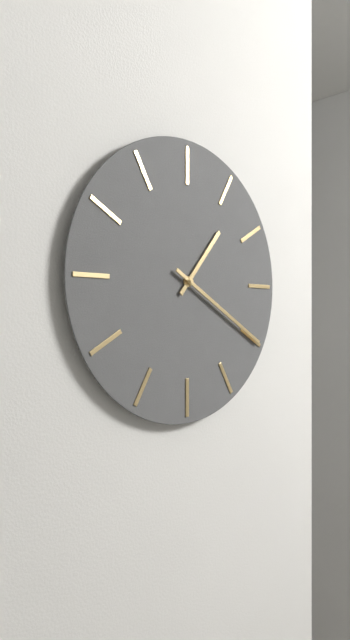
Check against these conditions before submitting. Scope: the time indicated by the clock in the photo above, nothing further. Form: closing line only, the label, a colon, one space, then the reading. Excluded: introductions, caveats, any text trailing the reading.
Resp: 1:20
